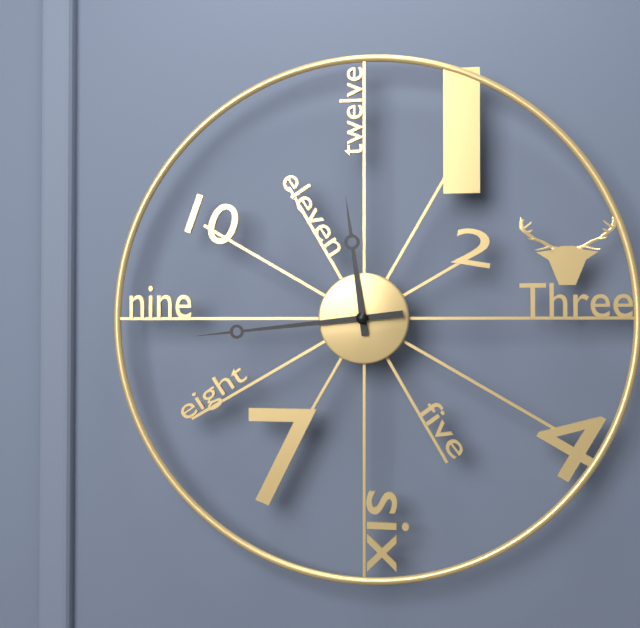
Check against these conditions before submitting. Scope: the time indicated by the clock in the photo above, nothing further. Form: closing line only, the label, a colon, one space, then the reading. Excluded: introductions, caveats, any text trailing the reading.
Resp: 11:44
